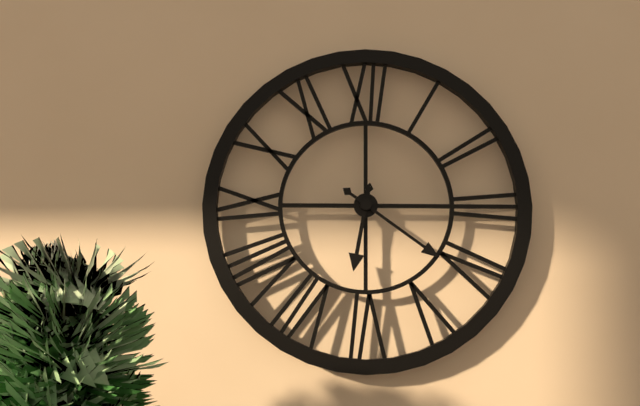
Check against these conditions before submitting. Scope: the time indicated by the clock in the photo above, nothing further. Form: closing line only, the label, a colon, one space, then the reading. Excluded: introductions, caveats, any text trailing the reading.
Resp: 6:21
